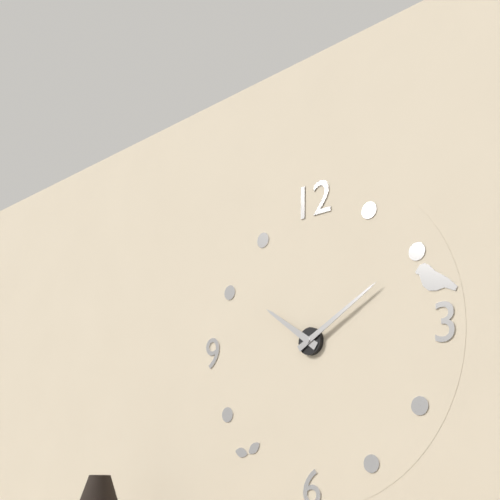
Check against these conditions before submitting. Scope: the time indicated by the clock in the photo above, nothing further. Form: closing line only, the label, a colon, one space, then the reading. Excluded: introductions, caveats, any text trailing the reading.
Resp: 10:10
